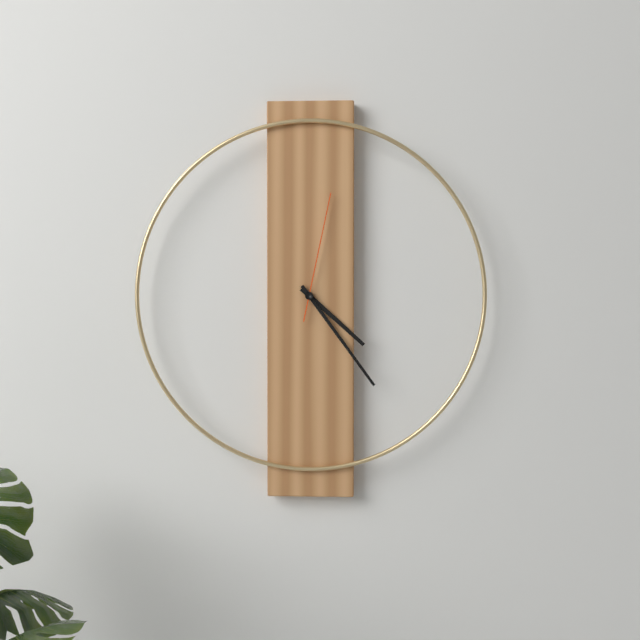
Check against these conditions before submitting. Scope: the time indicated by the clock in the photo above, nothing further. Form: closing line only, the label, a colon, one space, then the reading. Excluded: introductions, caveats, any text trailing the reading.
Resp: 4:24:02
